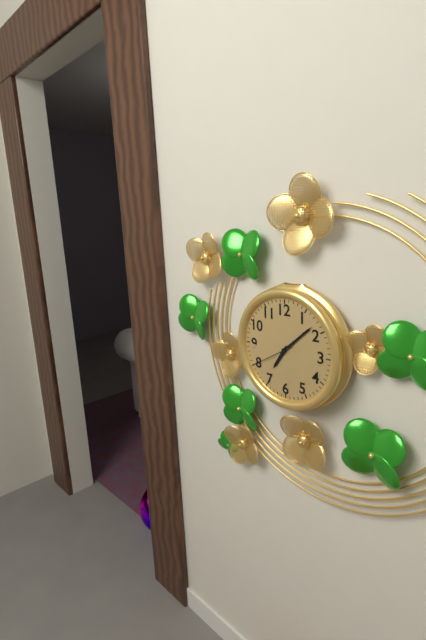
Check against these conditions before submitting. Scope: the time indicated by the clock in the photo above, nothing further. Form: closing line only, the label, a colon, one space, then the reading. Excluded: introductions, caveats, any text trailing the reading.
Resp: 7:08
